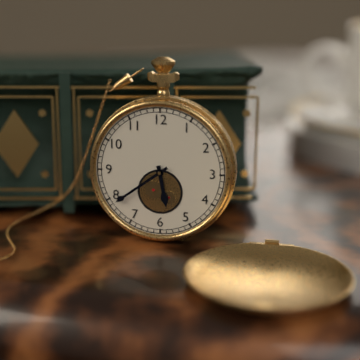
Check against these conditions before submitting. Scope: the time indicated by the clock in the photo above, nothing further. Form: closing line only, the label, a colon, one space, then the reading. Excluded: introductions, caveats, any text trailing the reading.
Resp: 5:39
